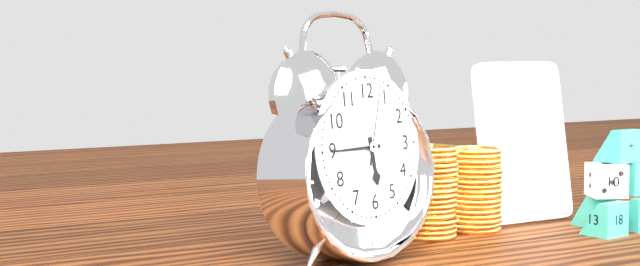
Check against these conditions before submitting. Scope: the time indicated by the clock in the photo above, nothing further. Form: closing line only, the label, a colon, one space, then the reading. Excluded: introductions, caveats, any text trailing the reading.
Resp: 5:45:03
